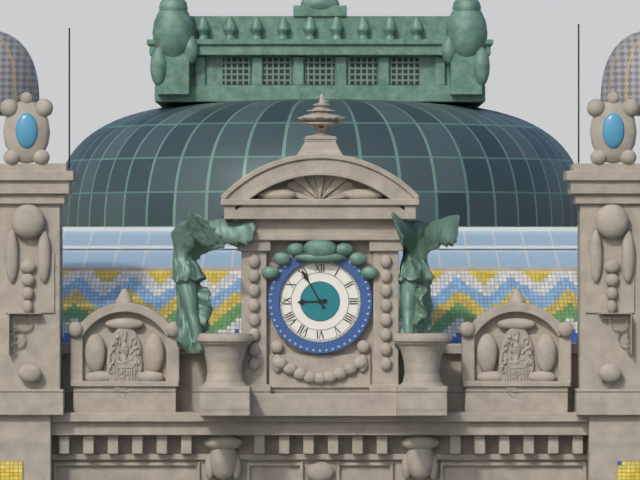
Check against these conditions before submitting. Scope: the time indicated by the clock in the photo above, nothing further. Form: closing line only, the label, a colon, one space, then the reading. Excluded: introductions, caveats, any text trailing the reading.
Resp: 8:55
